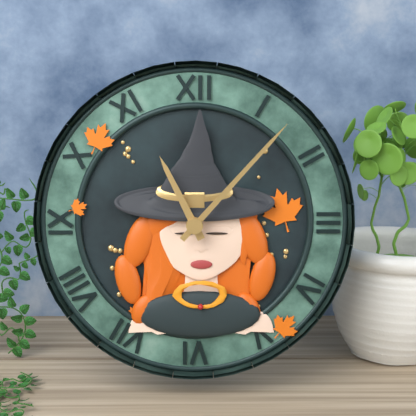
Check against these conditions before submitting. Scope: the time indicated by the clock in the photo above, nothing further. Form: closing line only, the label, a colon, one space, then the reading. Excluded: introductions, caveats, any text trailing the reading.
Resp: 11:07
